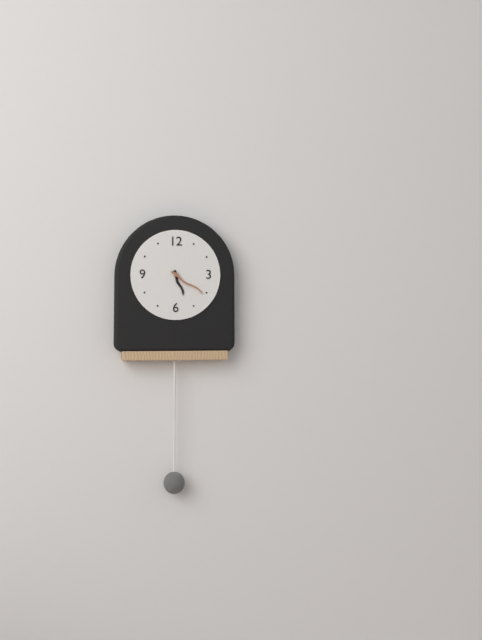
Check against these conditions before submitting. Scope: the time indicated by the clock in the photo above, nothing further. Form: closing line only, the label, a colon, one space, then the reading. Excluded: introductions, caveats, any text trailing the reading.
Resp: 5:21
